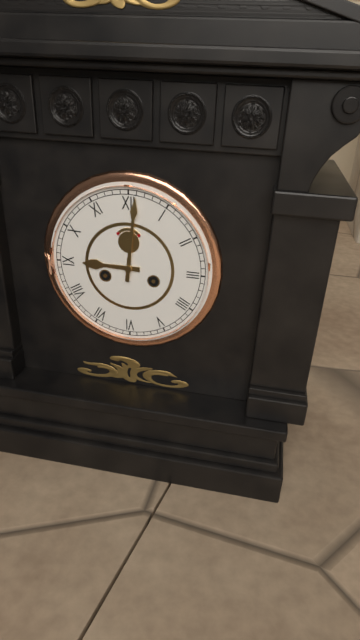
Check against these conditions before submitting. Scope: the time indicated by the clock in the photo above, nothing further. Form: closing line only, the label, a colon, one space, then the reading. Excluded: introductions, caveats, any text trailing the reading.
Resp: 9:01
